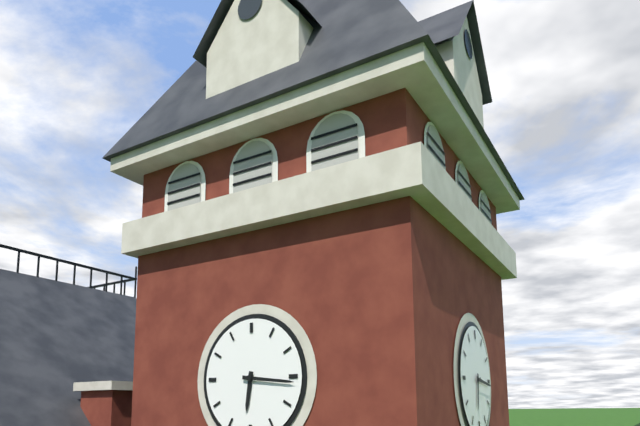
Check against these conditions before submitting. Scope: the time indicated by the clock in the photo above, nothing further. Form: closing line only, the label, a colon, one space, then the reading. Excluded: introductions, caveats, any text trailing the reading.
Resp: 6:16
